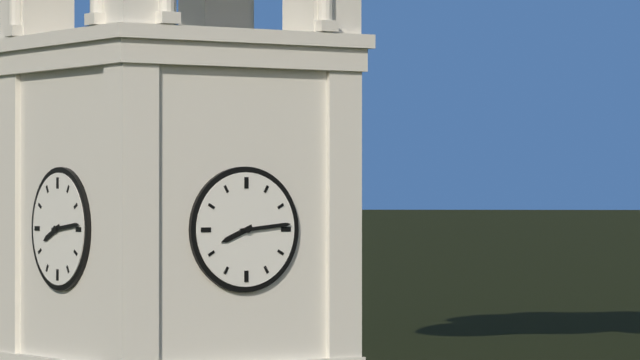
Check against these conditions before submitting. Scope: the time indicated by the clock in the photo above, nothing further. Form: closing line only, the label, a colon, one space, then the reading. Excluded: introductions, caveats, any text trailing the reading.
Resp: 8:14
